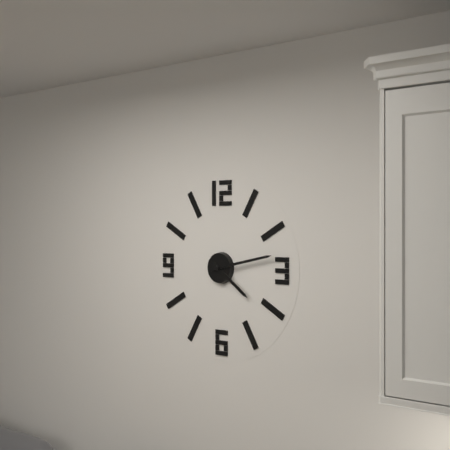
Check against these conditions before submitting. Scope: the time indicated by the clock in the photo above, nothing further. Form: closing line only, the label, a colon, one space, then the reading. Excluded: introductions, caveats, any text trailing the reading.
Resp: 4:13
